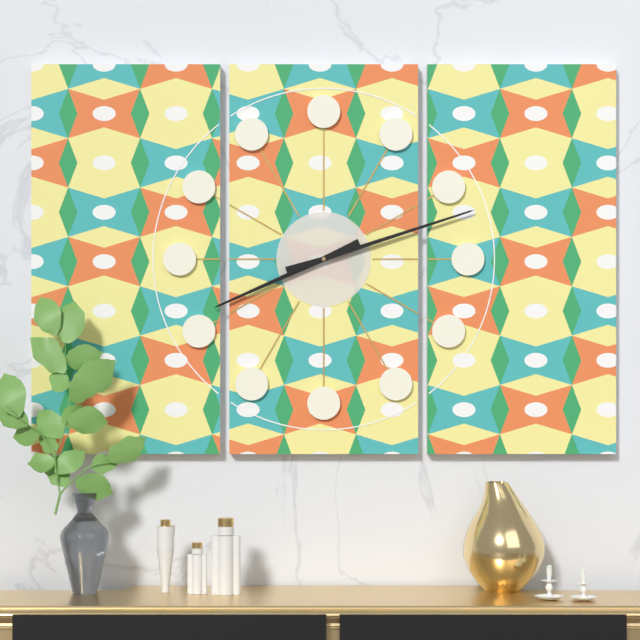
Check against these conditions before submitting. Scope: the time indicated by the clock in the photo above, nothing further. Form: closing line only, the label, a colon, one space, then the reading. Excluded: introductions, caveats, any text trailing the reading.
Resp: 8:12
